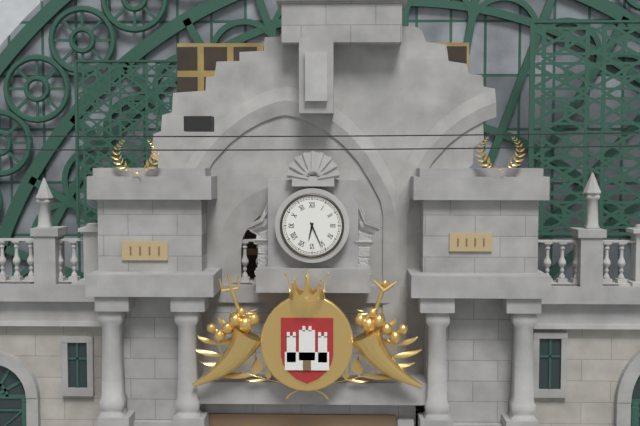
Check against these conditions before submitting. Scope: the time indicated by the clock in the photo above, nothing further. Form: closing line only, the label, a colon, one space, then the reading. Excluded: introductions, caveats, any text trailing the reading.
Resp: 6:26
